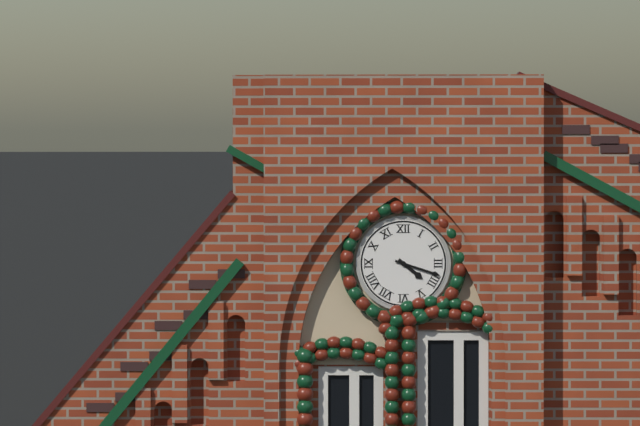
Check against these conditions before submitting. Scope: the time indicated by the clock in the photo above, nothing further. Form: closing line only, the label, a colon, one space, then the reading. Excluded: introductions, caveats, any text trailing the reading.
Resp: 4:18
